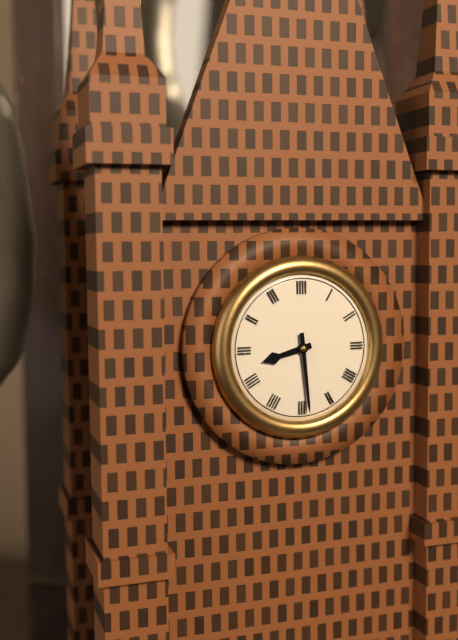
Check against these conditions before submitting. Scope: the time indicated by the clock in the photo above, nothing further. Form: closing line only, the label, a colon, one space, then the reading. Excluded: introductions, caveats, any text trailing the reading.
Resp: 8:29
